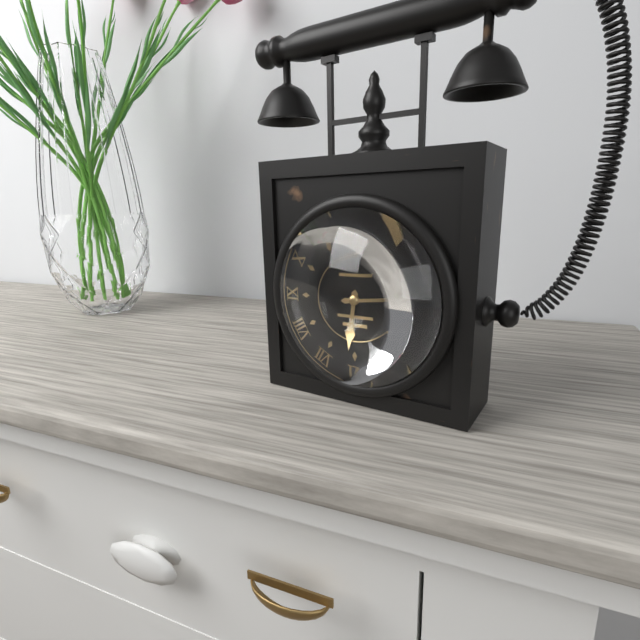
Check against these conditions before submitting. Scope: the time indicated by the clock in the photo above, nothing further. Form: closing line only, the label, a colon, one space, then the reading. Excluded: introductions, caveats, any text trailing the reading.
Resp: 6:14
